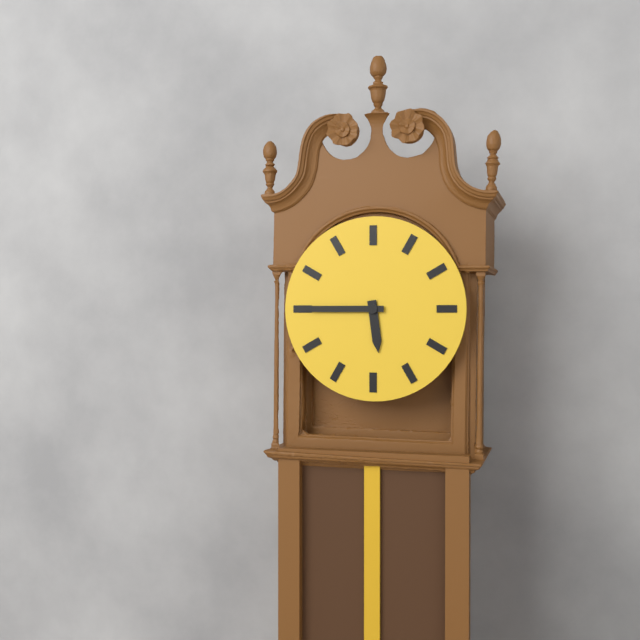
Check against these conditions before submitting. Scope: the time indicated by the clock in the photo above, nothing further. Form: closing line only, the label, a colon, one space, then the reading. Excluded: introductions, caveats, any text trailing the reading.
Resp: 5:45
